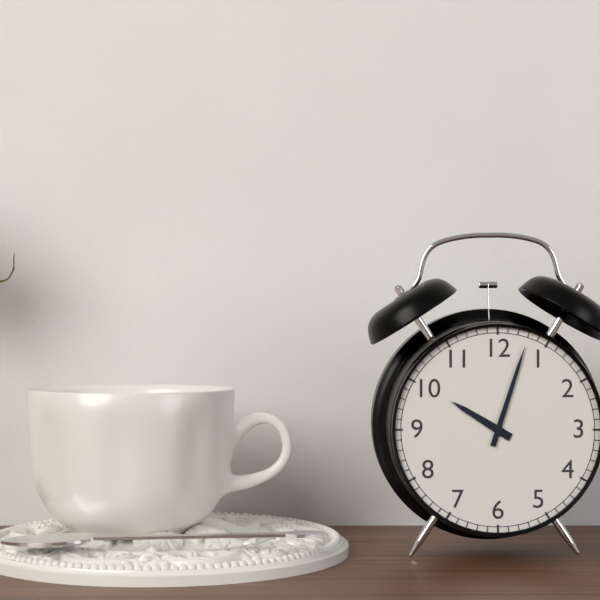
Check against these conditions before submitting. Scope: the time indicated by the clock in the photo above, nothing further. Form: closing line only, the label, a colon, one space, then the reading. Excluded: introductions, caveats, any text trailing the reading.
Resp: 10:03
